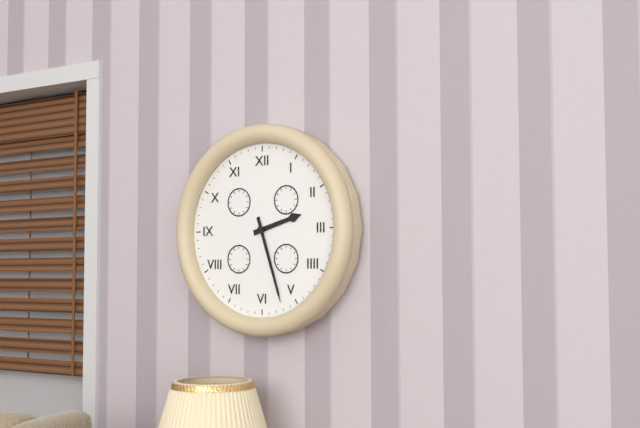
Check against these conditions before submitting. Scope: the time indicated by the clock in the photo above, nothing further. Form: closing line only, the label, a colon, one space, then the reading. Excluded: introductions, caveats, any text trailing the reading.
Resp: 2:27
